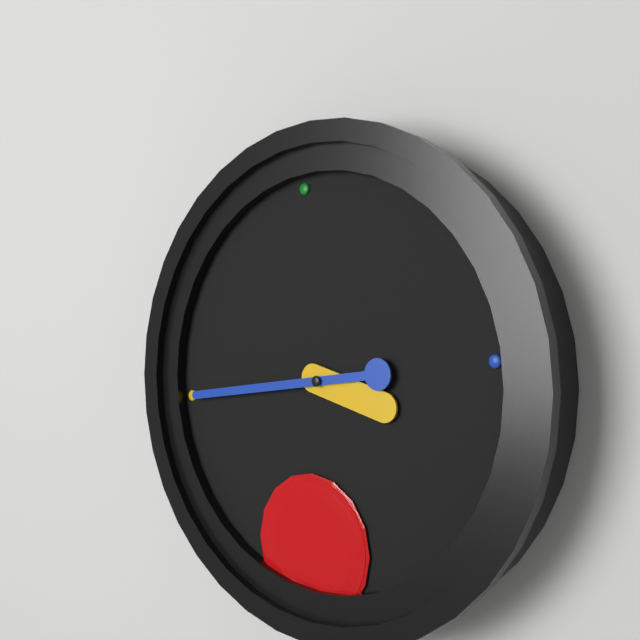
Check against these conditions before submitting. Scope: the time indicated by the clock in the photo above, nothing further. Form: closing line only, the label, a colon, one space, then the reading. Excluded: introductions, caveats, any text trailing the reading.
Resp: 3:45
